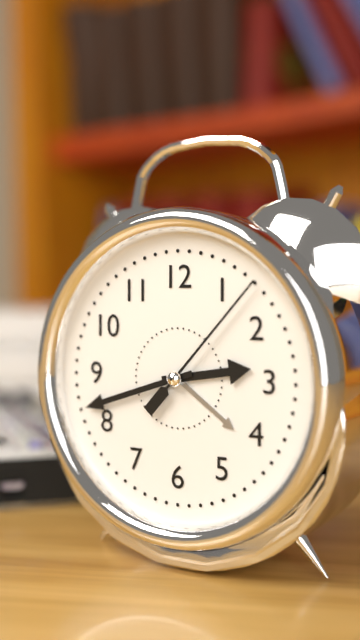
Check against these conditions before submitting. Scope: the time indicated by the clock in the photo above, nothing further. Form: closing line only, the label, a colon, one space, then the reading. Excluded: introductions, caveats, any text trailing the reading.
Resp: 2:42:07
